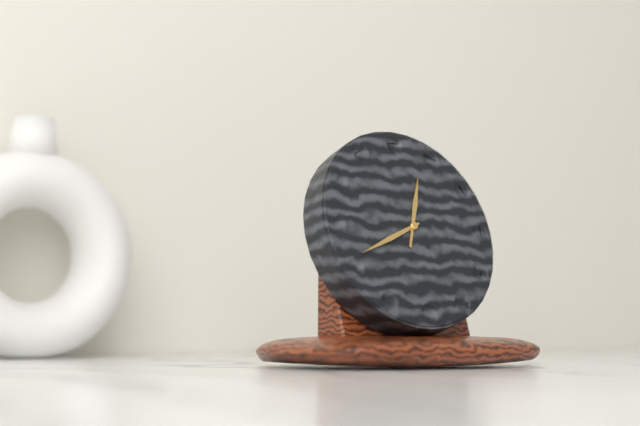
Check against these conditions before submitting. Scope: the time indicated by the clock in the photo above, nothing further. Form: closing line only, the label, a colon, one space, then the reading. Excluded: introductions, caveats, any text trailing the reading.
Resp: 12:41
